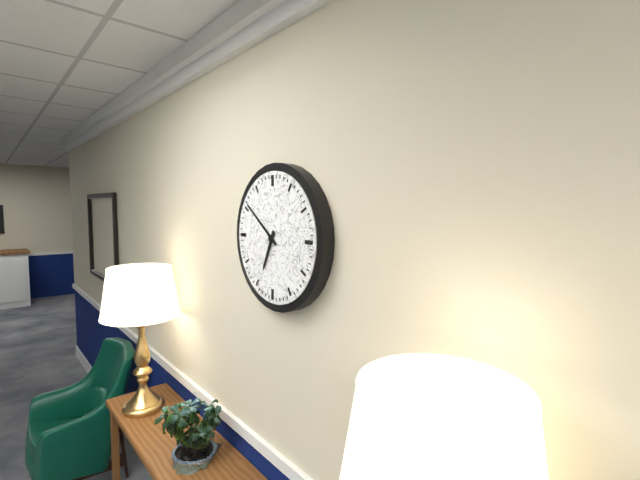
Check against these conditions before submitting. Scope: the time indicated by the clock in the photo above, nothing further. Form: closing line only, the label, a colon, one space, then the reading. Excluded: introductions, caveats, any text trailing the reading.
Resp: 6:51
